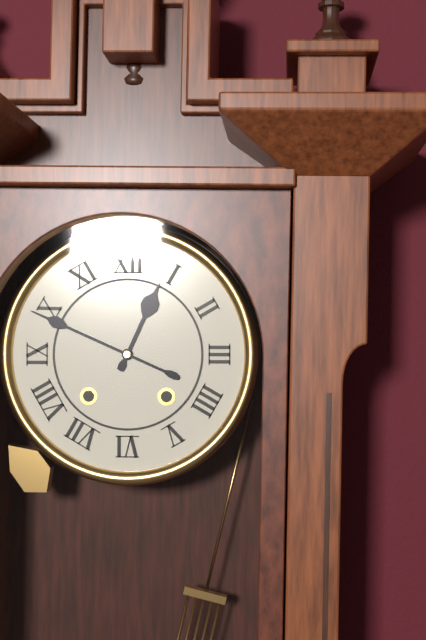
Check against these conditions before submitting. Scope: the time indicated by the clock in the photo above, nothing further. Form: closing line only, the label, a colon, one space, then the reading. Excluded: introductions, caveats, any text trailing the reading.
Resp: 12:49
